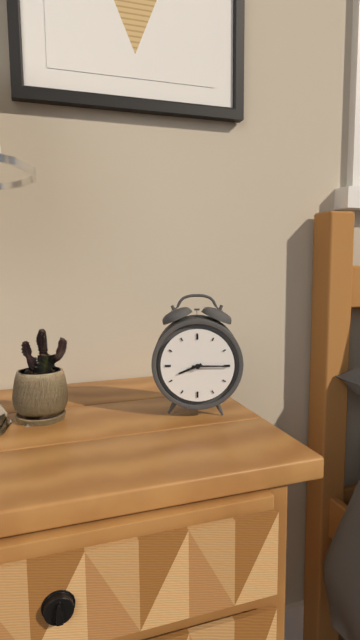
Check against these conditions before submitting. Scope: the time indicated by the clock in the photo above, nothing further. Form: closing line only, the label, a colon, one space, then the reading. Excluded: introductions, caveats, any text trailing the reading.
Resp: 8:15
